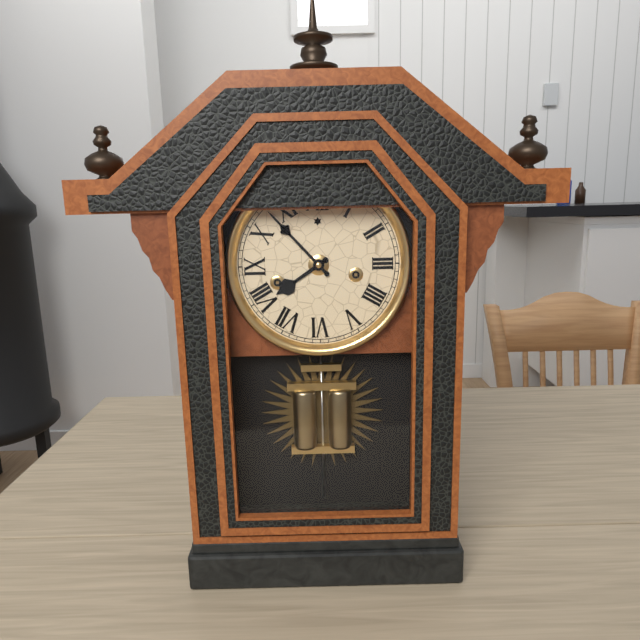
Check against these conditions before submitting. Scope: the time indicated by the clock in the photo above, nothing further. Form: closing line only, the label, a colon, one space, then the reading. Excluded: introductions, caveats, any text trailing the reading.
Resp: 7:53
